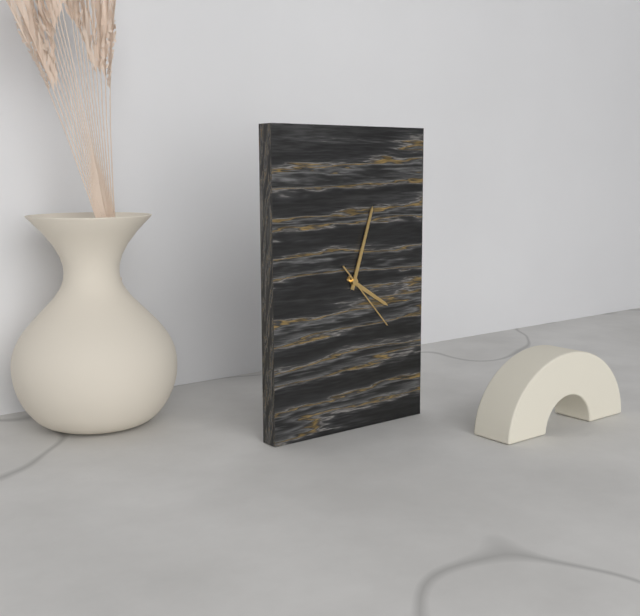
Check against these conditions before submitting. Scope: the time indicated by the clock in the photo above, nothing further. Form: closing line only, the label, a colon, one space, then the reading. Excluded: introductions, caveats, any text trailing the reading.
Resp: 4:03:23
